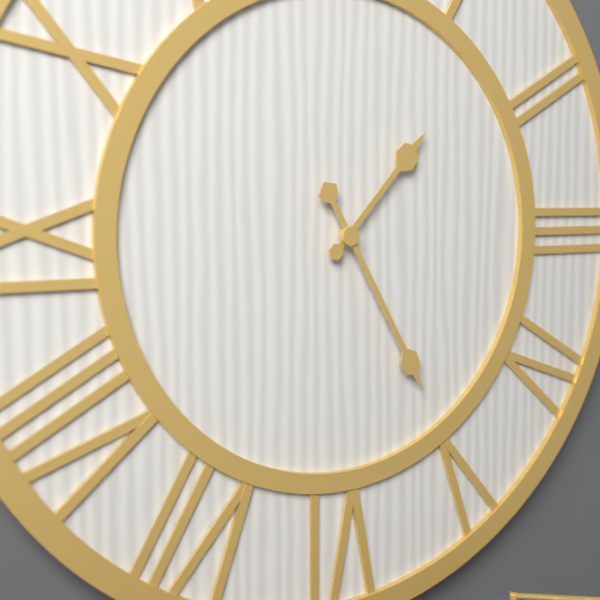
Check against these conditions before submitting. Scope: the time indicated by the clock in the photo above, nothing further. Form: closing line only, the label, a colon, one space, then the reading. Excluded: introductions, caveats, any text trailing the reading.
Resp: 1:25
